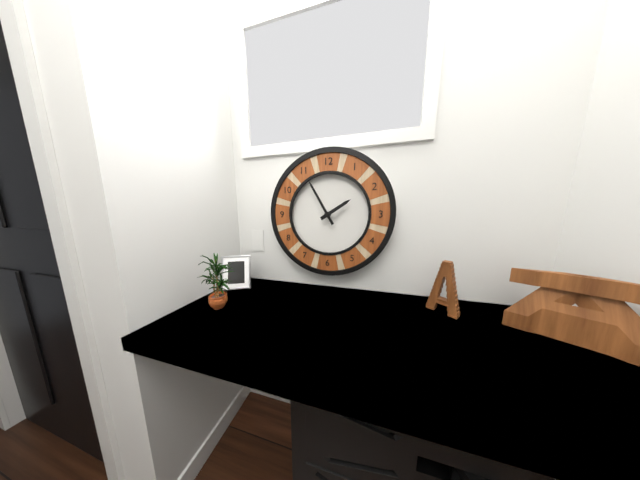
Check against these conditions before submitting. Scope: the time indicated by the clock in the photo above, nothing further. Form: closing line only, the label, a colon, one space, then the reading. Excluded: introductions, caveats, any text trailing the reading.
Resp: 1:55
